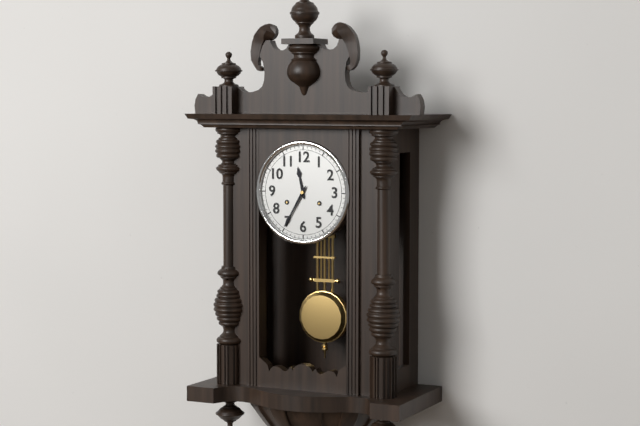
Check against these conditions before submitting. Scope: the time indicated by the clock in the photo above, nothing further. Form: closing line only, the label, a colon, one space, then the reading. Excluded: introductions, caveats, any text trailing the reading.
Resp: 11:35
